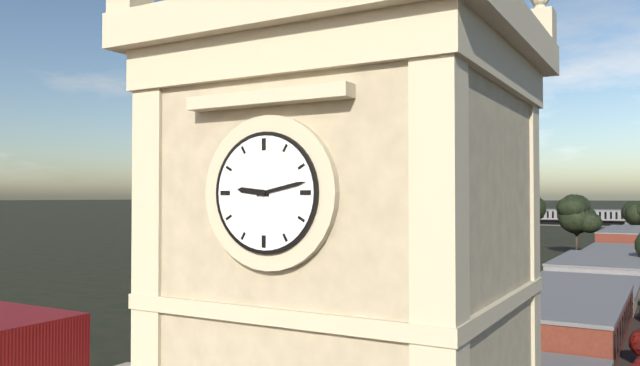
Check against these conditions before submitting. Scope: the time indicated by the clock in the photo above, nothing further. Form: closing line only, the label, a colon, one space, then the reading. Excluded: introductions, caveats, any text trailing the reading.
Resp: 9:13
